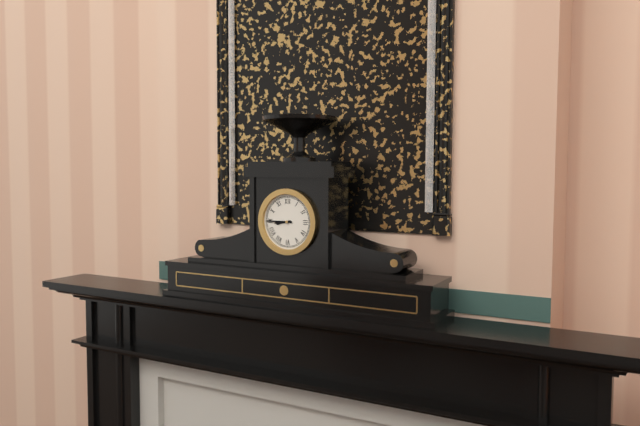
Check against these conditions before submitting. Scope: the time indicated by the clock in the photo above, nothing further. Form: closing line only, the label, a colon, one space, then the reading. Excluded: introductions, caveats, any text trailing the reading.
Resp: 8:45
